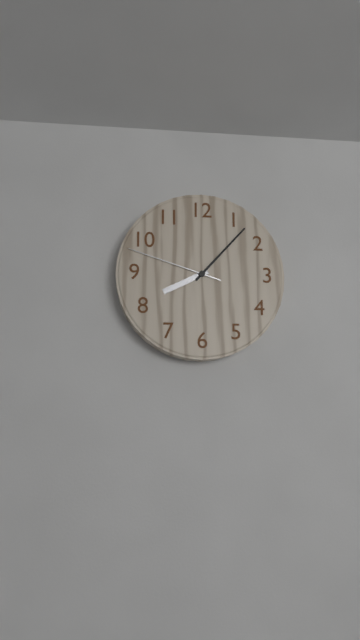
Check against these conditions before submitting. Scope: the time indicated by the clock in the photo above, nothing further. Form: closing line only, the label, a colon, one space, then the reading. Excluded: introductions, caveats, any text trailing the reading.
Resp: 8:07:48
